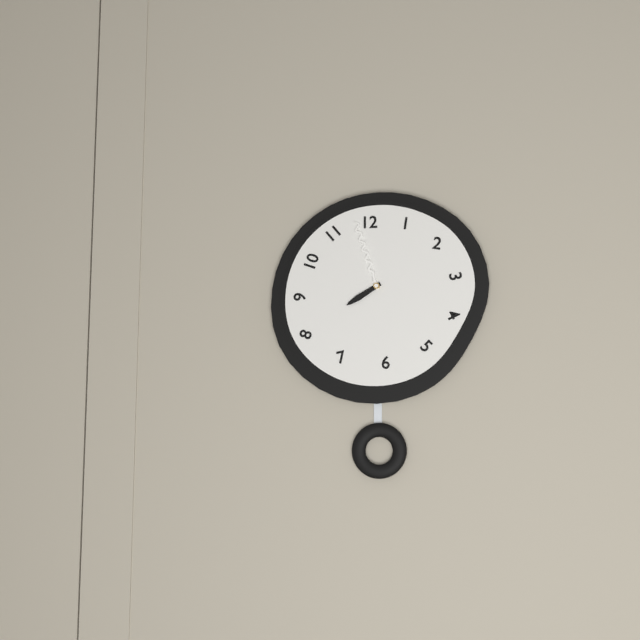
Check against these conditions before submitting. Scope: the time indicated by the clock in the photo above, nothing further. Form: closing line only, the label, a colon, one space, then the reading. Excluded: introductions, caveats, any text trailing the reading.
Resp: 7:57
